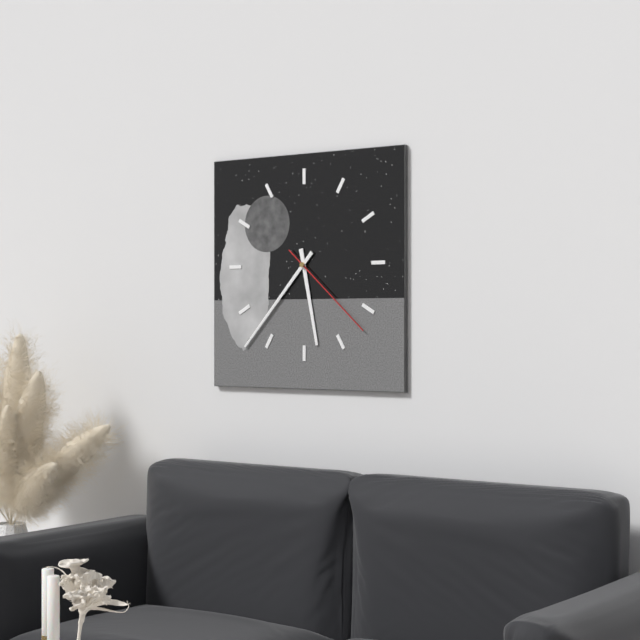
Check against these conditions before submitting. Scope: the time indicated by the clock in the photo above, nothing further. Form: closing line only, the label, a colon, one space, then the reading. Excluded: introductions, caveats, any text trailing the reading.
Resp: 5:37:22
